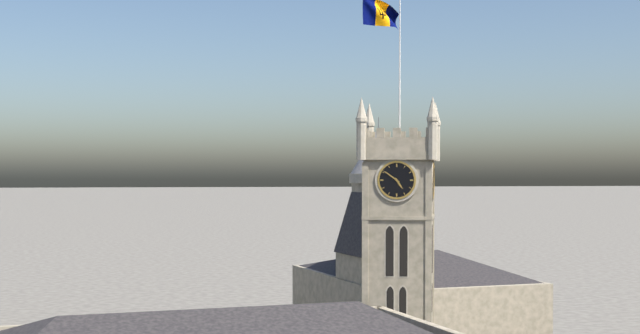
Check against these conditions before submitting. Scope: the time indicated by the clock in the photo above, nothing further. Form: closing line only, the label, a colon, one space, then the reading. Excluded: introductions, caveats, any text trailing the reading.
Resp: 4:51
